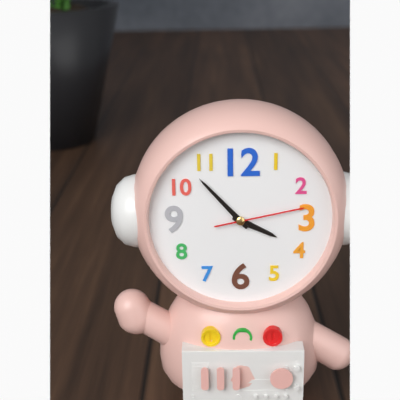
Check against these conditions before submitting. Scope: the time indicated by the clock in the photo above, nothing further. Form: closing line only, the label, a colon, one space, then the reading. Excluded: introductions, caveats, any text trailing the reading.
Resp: 3:53:13
